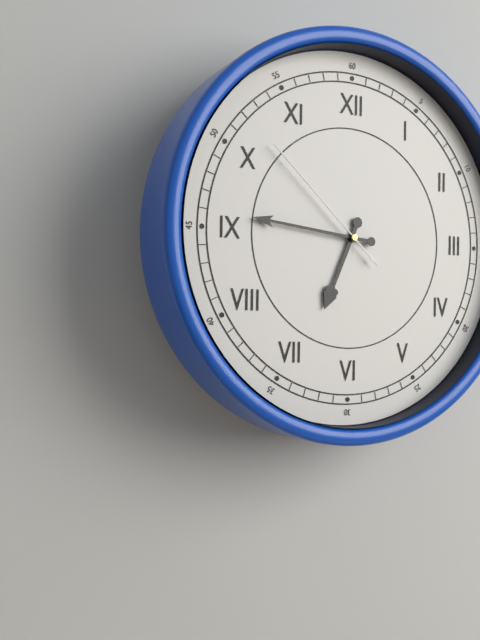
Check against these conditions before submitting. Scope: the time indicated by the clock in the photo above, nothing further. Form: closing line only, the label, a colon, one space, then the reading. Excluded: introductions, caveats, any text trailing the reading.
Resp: 6:46:52
